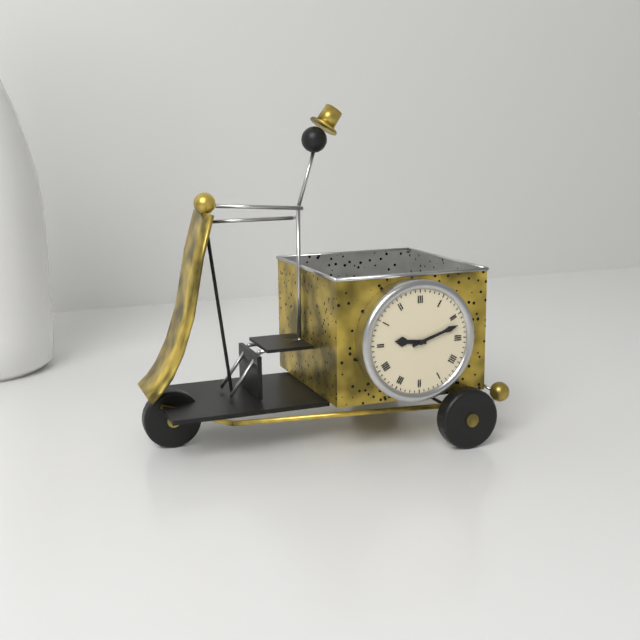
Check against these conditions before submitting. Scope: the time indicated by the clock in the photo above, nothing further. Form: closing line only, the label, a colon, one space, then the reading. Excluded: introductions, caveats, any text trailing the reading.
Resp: 9:12
